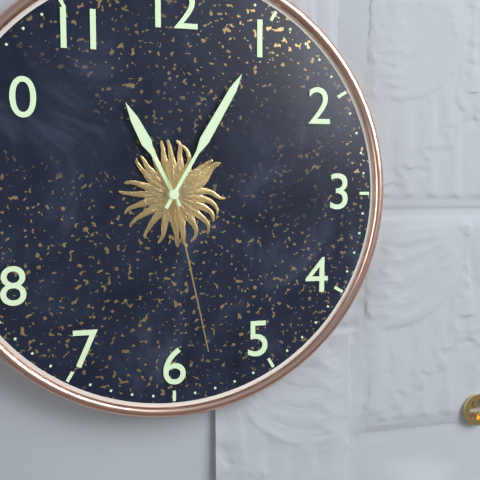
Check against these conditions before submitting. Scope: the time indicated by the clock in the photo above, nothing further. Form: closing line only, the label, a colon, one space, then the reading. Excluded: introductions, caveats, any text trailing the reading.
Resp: 11:05:28
